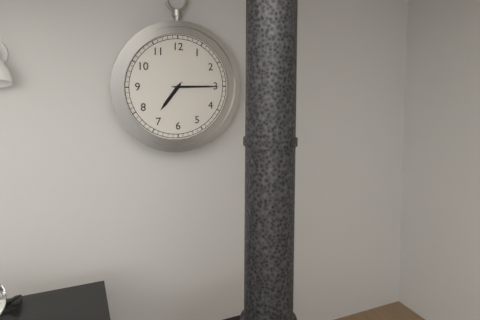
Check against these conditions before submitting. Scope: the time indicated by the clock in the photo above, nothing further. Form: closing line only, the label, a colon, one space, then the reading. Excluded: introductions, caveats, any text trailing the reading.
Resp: 7:15
